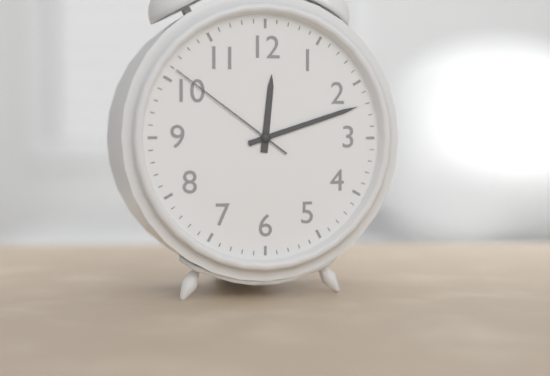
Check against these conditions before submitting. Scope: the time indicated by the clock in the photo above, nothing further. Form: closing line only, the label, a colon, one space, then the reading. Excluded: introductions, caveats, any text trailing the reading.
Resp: 12:12:51
